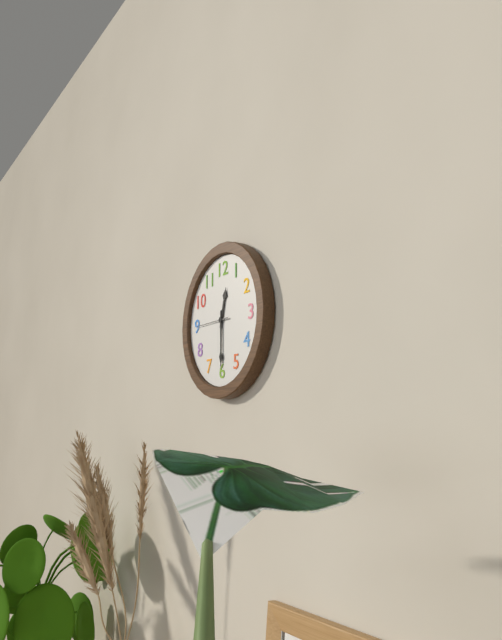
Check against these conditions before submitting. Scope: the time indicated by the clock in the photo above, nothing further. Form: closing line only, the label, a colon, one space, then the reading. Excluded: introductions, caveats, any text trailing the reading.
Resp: 12:30
